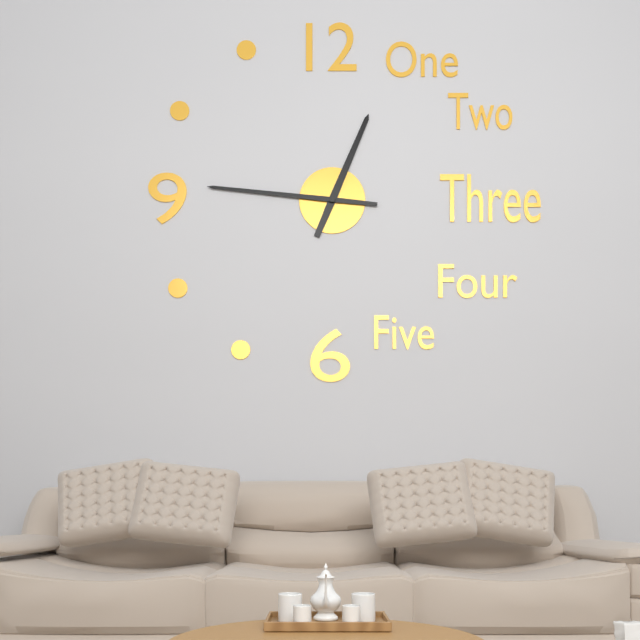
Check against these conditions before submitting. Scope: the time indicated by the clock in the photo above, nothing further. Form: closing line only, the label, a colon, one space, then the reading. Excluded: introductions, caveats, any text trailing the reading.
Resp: 12:46
